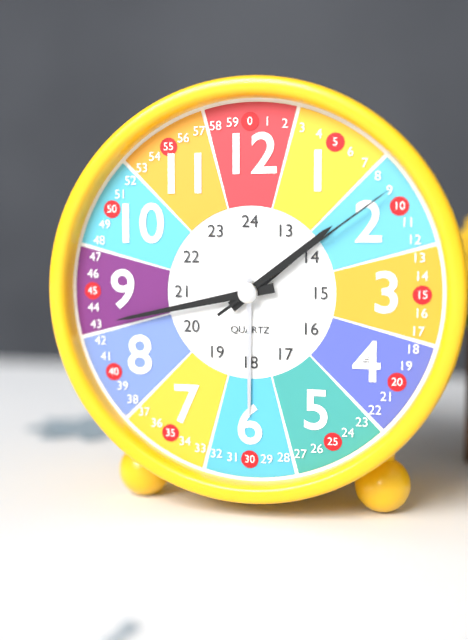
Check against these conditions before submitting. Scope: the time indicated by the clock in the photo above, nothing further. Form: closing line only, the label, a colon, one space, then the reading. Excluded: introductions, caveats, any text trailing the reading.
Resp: 1:43:09
